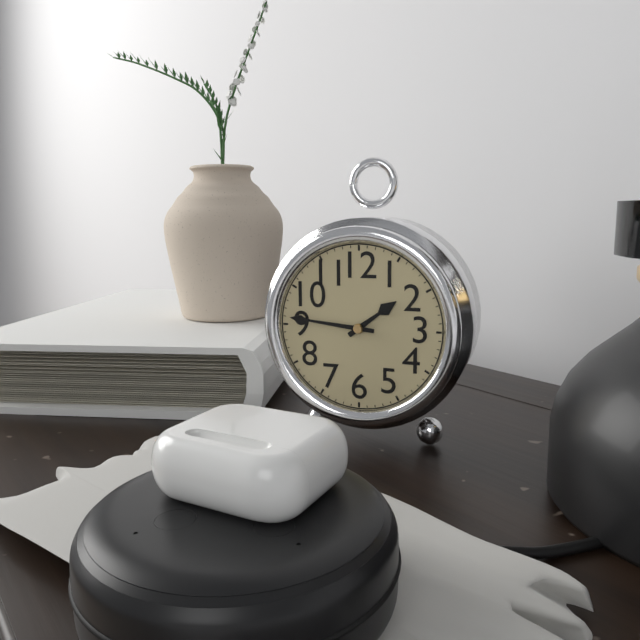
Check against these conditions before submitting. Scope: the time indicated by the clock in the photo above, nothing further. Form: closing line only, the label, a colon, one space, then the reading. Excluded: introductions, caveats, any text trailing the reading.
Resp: 1:46
